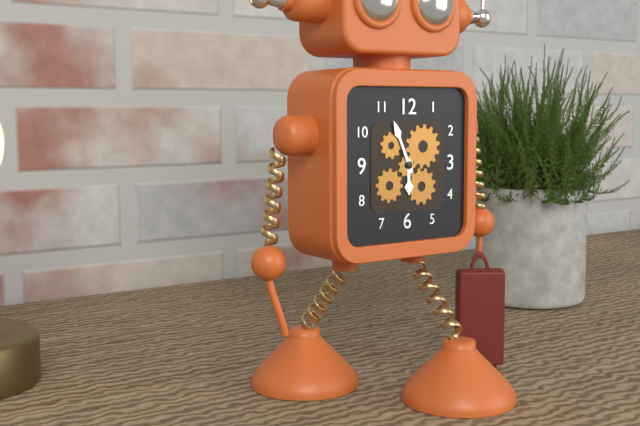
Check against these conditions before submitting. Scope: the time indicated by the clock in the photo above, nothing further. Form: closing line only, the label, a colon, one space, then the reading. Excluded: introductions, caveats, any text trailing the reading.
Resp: 5:56
